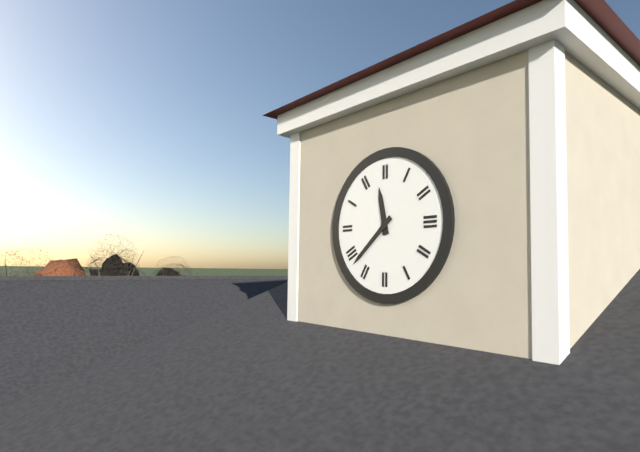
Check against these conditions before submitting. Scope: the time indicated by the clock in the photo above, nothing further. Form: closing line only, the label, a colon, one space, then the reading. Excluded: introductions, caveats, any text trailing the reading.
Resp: 11:38
